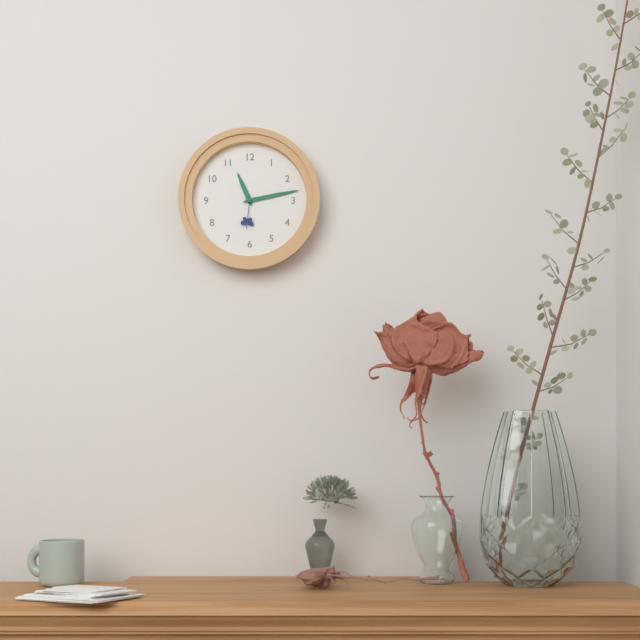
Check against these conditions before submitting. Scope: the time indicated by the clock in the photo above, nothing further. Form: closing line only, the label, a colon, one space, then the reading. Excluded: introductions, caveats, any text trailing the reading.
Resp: 11:13
